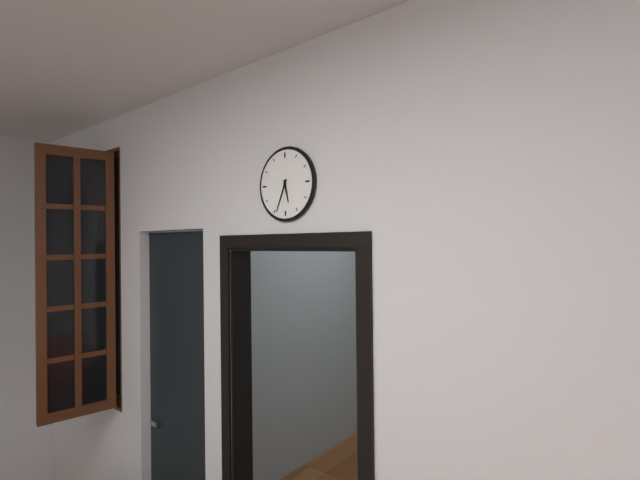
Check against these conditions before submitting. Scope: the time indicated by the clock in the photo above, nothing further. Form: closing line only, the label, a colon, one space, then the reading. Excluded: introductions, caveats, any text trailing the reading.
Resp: 5:34
